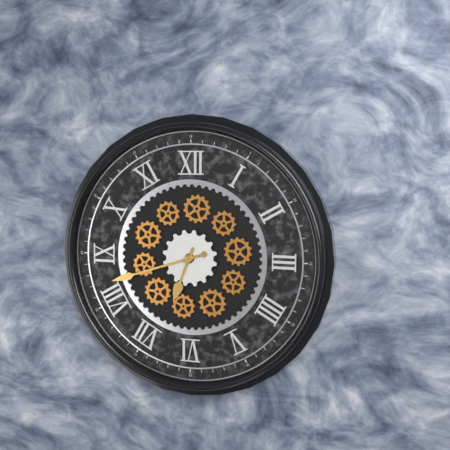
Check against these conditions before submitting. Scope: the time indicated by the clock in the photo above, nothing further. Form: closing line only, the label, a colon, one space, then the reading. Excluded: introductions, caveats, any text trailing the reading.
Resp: 6:42
